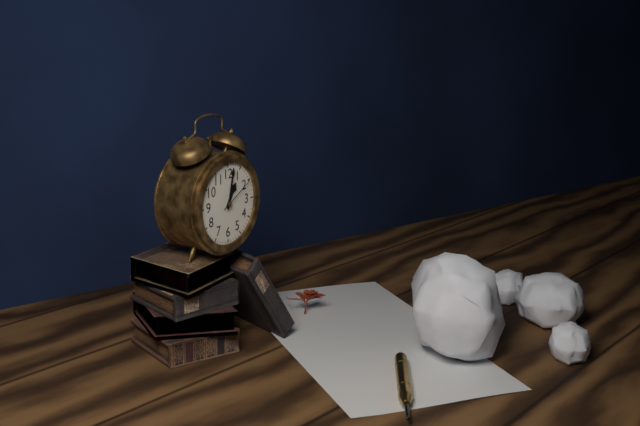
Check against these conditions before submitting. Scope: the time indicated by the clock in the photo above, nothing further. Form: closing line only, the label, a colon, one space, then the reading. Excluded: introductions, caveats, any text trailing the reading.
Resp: 1:02
